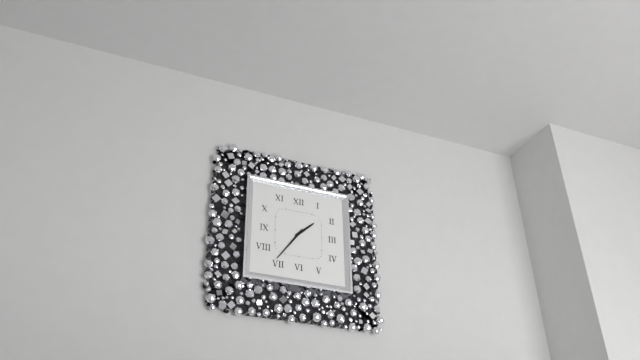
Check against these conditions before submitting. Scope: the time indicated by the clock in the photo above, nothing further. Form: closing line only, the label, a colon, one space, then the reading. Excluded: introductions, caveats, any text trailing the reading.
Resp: 1:36
